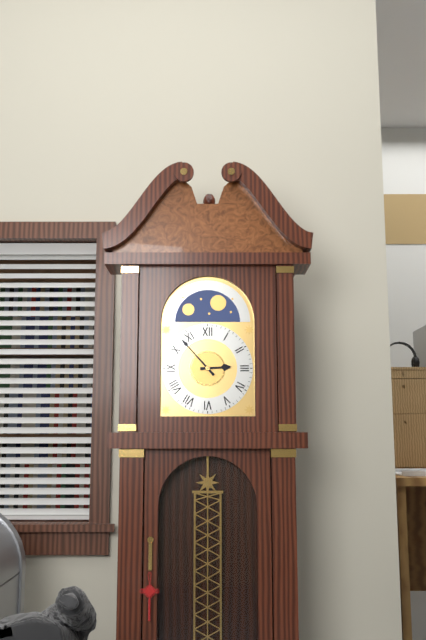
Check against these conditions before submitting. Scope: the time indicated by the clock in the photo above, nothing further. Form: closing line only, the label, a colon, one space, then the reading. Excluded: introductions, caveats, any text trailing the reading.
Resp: 2:53
